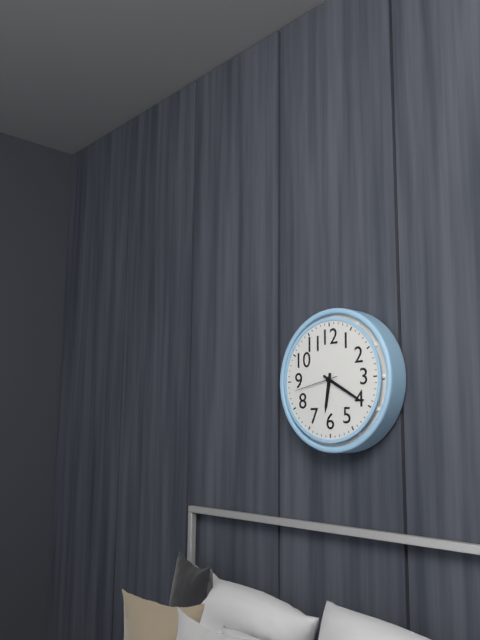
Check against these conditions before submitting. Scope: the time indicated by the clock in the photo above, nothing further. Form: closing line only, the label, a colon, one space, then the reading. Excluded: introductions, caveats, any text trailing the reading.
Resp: 6:20
